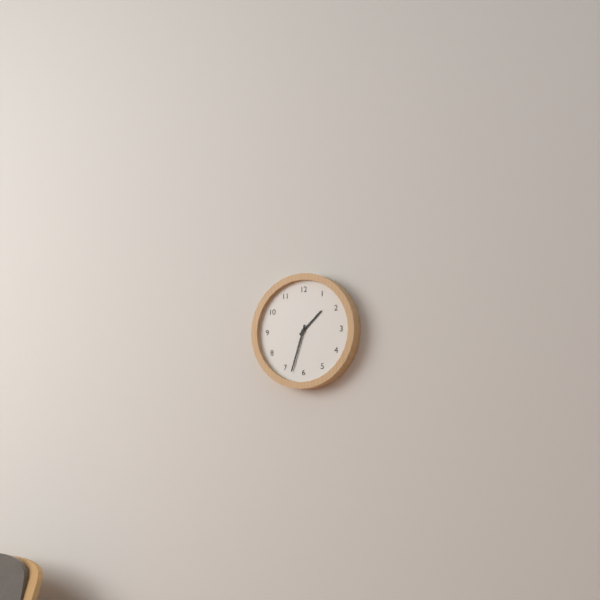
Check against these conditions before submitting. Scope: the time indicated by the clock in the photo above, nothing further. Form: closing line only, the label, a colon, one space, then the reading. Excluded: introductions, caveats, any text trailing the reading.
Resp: 1:33
